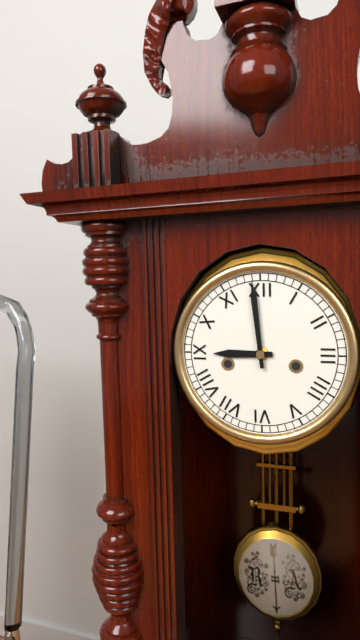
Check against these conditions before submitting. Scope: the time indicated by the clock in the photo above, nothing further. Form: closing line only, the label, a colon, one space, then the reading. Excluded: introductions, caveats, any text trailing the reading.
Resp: 8:59
